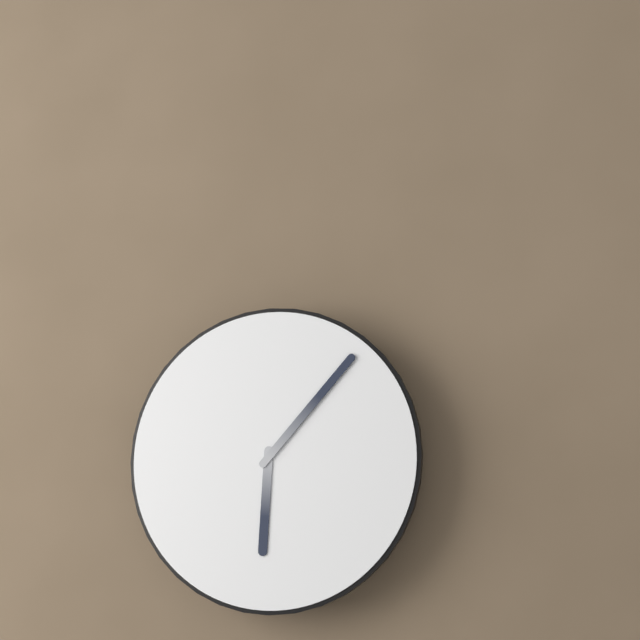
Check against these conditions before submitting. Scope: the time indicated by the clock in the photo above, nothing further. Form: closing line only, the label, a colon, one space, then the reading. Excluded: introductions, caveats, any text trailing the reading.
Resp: 6:07
